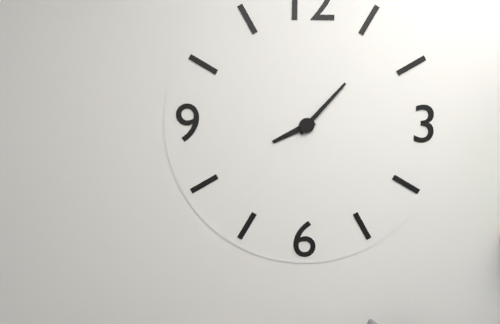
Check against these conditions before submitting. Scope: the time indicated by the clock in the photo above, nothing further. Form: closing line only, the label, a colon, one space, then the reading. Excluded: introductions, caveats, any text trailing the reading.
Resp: 8:07
